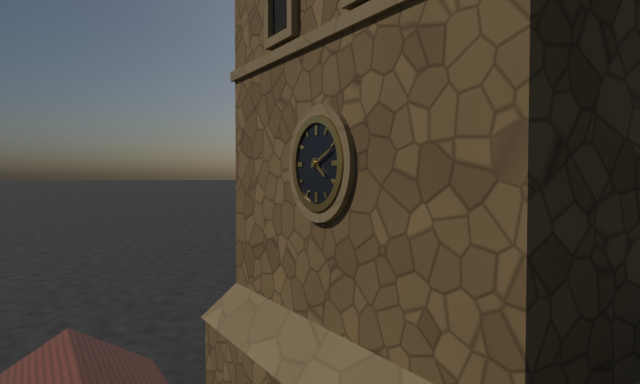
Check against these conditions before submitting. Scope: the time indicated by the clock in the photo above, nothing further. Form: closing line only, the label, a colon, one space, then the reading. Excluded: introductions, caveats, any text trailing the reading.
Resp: 4:11
